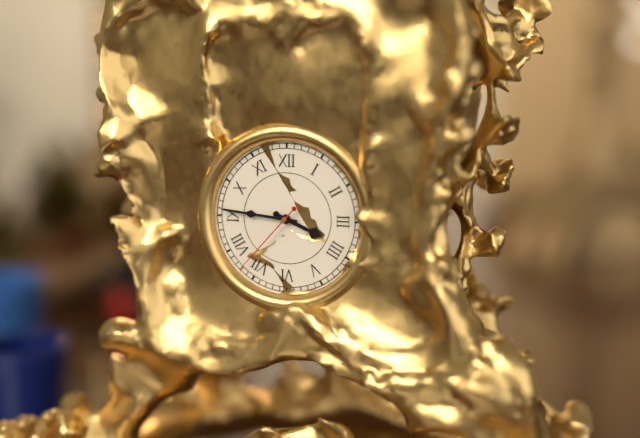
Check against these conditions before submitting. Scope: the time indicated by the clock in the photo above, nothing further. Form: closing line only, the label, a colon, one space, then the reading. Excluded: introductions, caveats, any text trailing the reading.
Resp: 3:46:37
